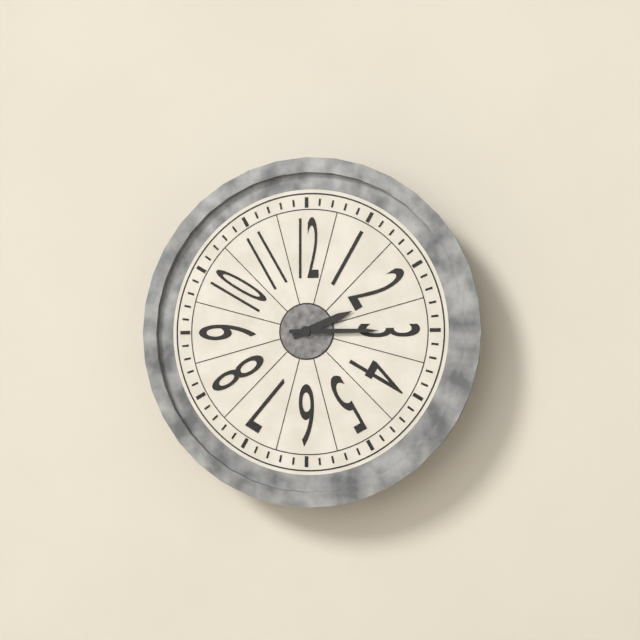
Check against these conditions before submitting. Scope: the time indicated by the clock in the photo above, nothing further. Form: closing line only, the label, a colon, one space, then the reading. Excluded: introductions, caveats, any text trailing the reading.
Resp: 2:15
